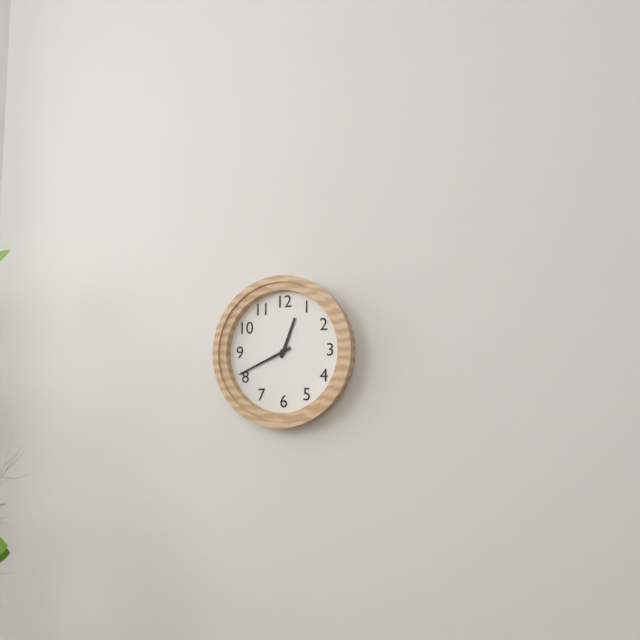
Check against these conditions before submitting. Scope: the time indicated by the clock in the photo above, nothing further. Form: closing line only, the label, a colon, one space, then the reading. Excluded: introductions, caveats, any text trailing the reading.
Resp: 12:41
